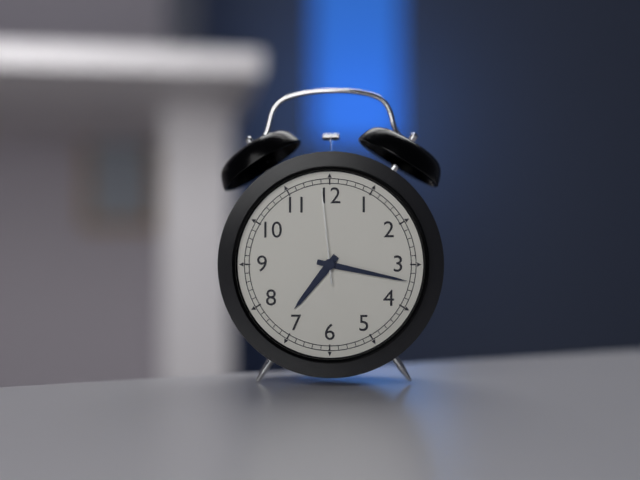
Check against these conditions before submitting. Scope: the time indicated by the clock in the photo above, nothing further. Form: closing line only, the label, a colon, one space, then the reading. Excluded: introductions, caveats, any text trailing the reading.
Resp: 7:17:59
